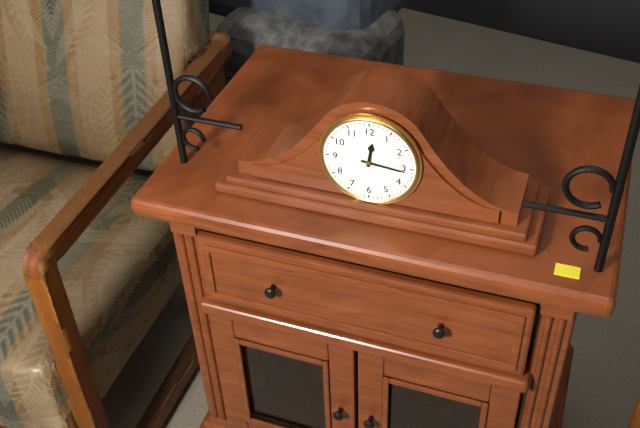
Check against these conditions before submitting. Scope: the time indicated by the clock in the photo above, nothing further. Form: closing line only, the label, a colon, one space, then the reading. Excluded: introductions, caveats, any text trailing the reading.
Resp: 12:16
